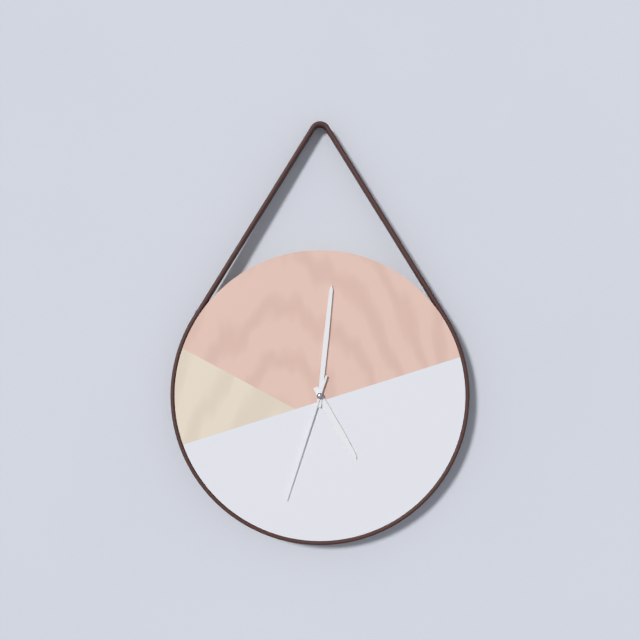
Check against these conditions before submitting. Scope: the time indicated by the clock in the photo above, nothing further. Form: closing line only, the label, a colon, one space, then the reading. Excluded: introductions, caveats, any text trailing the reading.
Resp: 5:01:33
